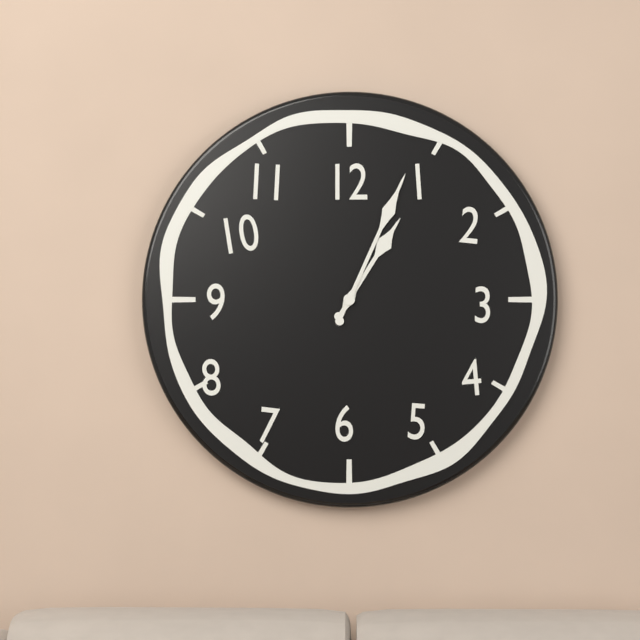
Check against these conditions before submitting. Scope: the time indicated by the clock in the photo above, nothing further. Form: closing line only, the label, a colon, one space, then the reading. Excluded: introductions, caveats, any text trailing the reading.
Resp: 1:04
